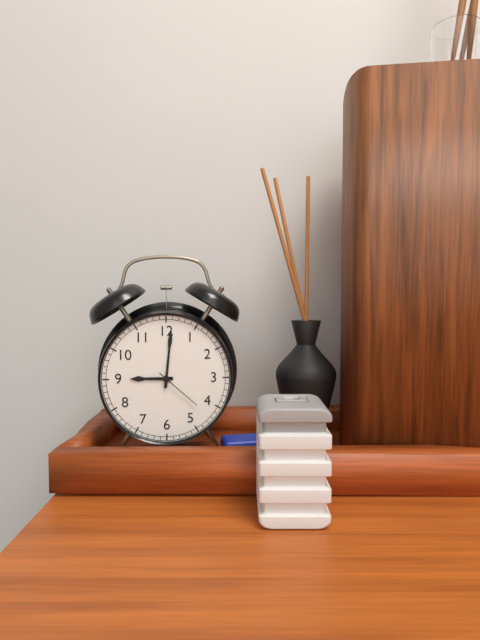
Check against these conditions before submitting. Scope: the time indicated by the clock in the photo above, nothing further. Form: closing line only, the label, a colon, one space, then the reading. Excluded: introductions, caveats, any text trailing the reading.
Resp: 9:01:22
